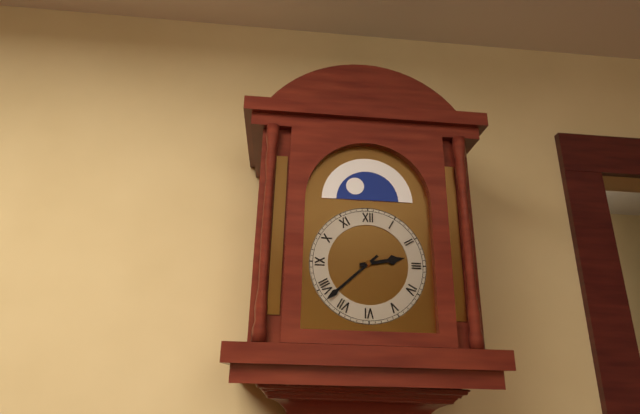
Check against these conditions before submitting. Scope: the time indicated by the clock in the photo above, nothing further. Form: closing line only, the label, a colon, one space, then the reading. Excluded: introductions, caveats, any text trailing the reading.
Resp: 2:38
